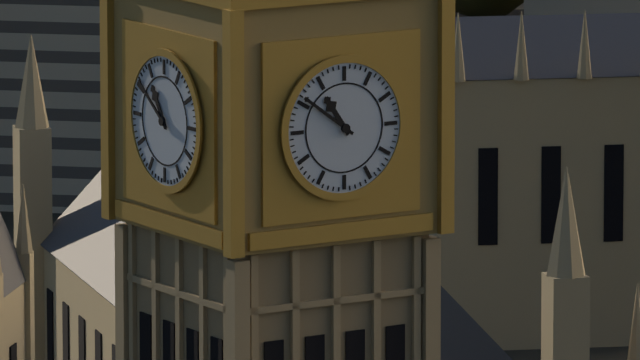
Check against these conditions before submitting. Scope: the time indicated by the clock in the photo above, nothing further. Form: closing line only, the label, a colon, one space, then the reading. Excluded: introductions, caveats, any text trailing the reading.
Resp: 10:51
